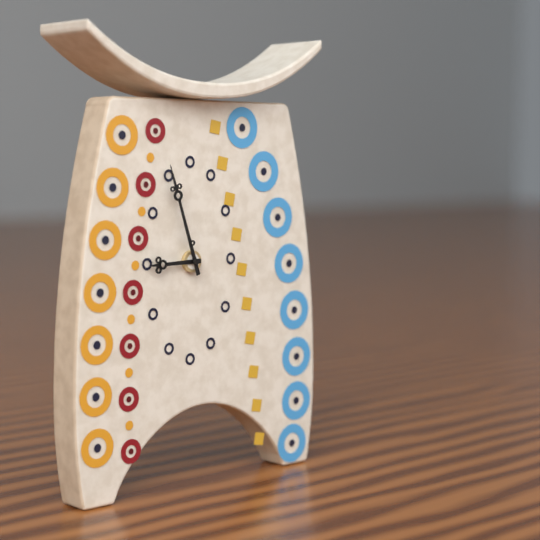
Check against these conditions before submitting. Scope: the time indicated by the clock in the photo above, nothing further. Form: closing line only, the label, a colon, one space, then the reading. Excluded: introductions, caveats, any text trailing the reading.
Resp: 8:57
